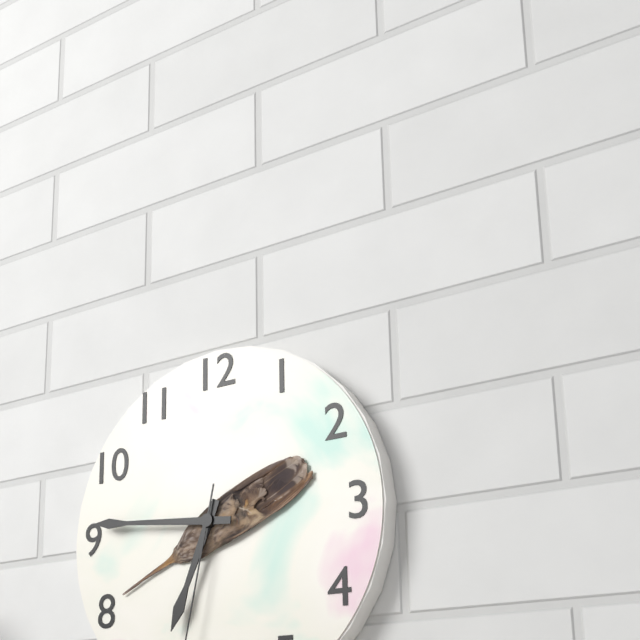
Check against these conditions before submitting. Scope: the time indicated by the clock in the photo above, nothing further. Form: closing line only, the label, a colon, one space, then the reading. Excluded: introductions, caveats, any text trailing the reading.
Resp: 6:46
